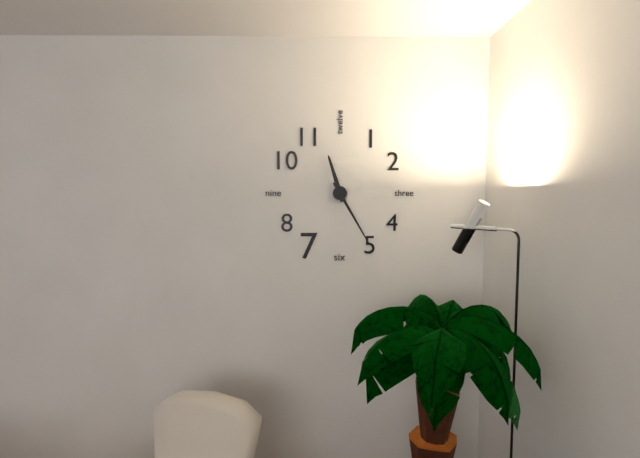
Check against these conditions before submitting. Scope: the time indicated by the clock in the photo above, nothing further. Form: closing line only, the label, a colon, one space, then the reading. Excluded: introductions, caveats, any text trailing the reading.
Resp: 11:25
